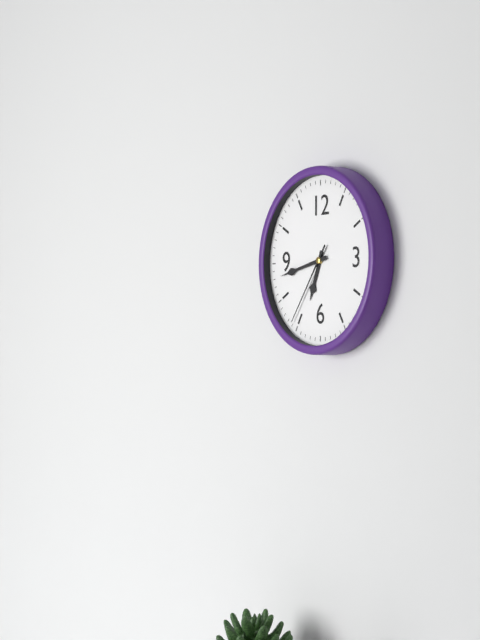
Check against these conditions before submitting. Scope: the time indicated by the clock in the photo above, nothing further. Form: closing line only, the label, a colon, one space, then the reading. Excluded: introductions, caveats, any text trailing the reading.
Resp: 6:43:36
